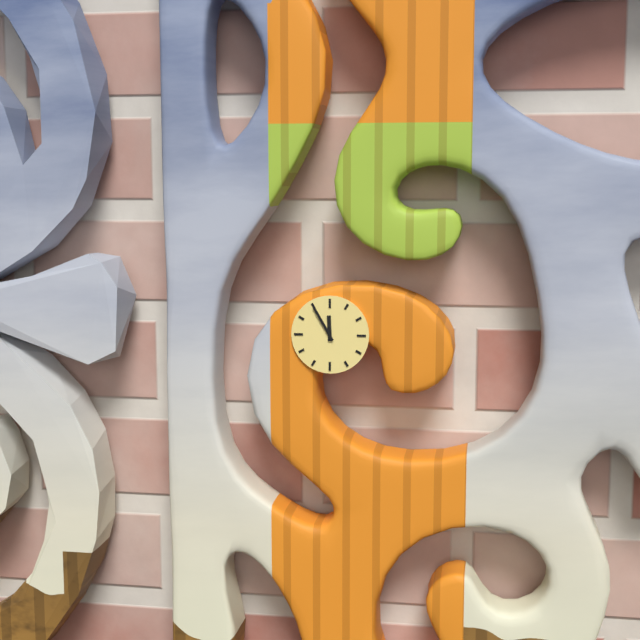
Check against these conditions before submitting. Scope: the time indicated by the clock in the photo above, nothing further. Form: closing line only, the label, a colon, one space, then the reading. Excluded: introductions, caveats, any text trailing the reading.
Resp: 11:55
